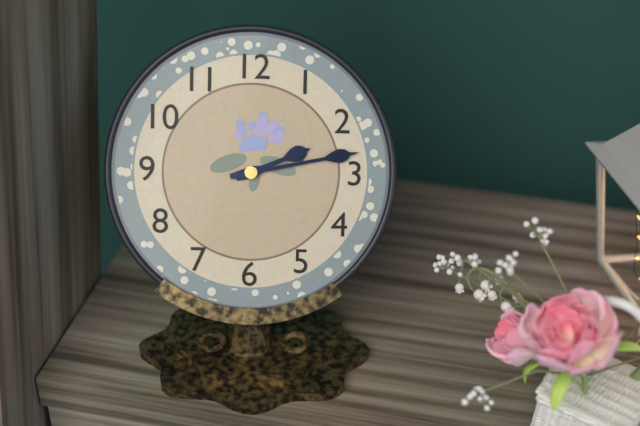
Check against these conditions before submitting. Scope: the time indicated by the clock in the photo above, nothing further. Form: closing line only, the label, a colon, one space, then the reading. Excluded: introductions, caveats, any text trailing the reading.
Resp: 2:13
